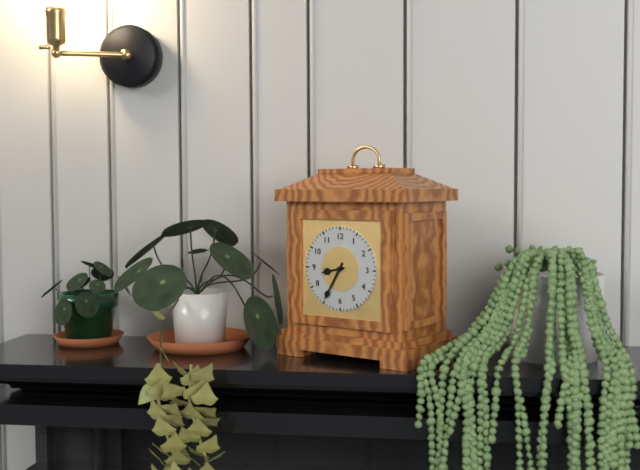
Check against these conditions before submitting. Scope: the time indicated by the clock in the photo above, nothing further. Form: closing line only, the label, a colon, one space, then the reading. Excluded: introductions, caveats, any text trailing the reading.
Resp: 8:35
